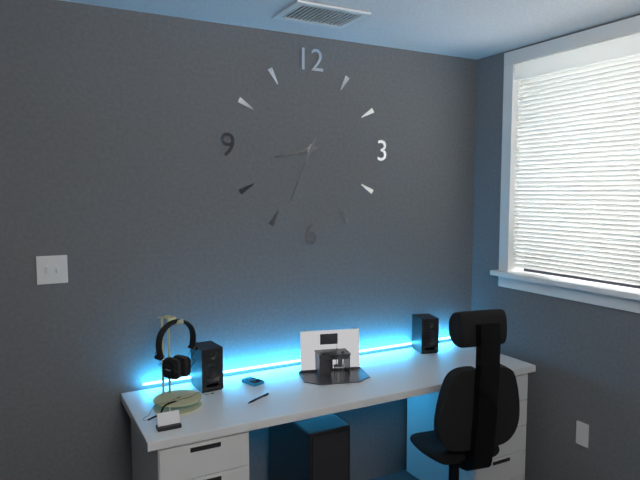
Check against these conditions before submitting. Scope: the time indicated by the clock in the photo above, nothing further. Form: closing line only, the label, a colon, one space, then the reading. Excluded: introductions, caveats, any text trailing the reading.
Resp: 8:34
